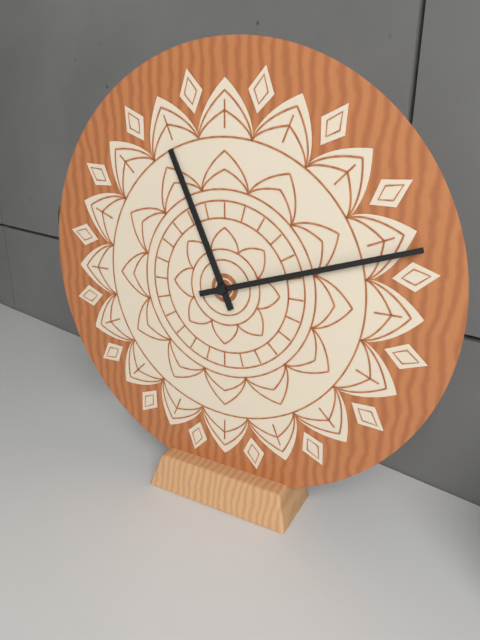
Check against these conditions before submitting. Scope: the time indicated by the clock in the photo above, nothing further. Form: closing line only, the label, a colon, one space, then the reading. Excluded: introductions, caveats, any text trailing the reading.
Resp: 11:12
